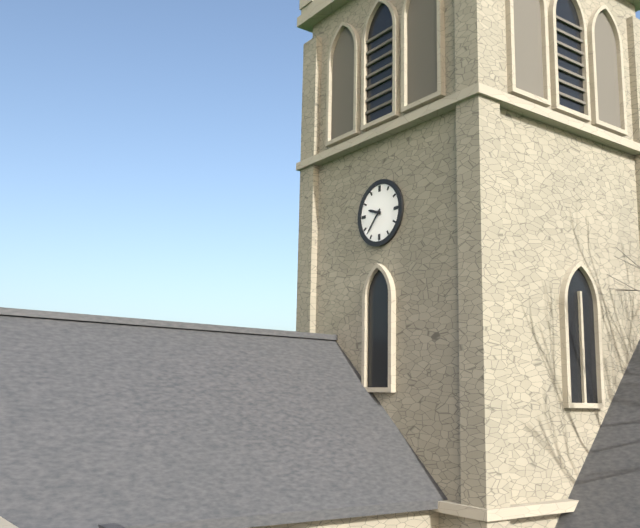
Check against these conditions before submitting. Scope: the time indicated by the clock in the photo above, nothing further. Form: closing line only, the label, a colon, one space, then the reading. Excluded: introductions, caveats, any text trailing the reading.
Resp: 9:37
